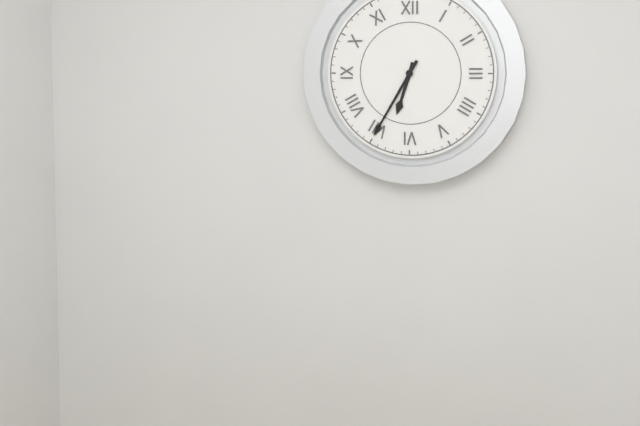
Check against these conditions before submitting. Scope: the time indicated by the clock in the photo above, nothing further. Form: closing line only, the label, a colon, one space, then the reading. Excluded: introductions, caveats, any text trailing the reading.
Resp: 6:35
